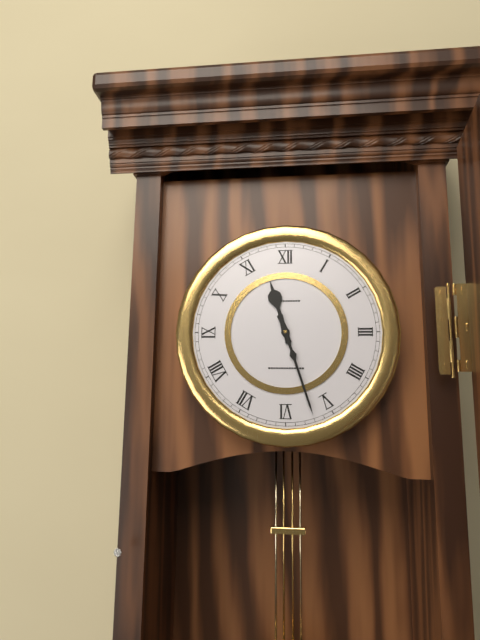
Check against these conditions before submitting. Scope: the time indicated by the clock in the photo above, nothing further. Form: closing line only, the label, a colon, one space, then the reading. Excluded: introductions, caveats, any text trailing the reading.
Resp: 11:27
